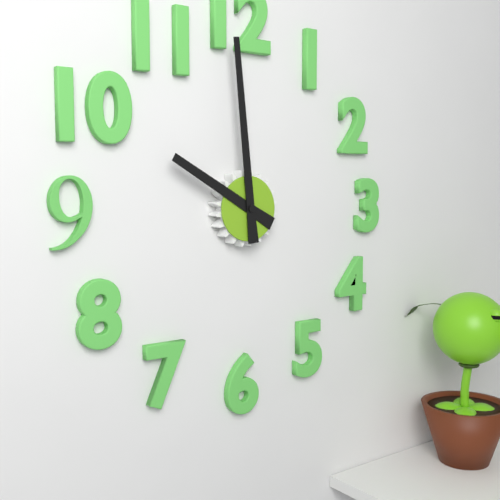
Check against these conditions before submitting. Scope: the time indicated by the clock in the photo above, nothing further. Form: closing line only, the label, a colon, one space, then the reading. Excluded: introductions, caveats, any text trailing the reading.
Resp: 9:59
